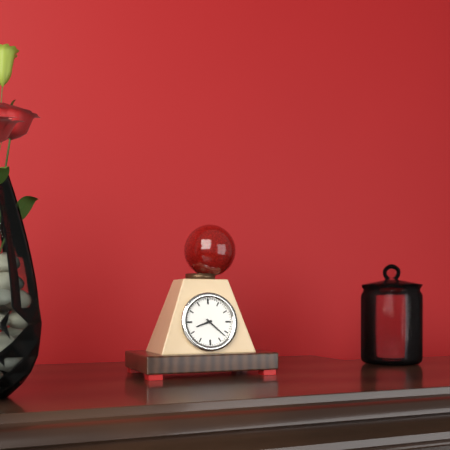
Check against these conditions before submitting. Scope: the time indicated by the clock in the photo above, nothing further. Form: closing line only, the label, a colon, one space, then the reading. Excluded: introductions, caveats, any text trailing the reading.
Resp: 8:22
